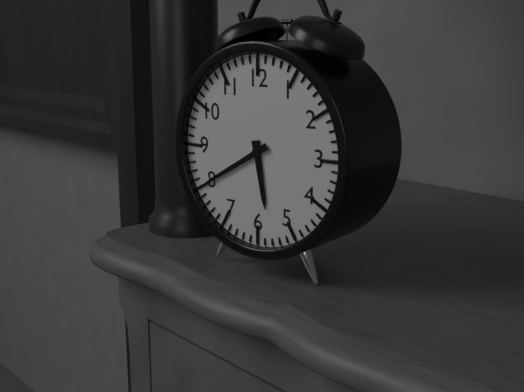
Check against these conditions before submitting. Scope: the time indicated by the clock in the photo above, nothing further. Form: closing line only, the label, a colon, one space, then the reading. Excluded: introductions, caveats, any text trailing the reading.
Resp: 5:40
